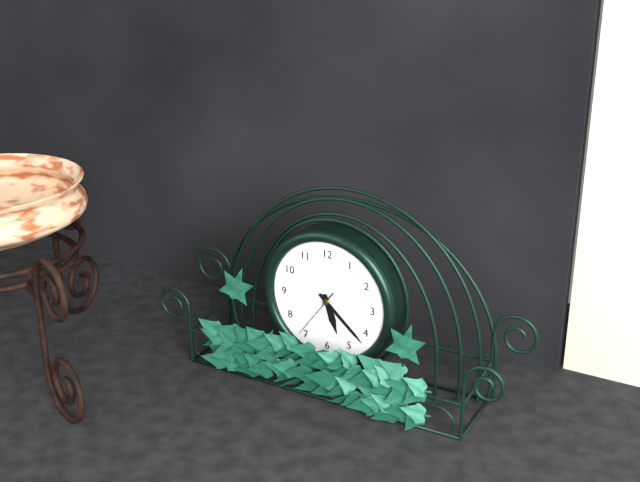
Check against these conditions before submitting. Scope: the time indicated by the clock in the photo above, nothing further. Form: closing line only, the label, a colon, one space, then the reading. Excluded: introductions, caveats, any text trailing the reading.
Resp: 5:22:36
